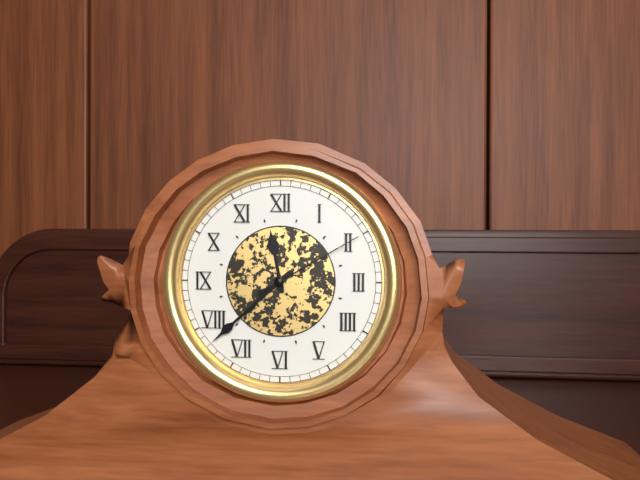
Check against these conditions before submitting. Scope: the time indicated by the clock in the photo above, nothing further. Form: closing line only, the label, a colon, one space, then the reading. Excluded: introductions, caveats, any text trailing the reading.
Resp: 11:38:10
